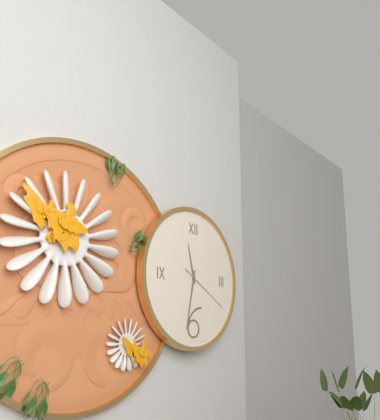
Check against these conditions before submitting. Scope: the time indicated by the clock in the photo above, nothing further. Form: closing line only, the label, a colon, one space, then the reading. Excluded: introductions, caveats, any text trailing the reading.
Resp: 11:32:20
